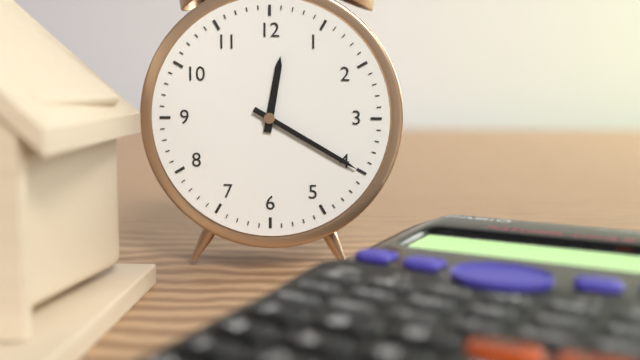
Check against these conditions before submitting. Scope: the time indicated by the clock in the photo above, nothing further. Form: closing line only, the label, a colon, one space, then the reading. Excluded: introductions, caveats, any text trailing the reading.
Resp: 12:20
